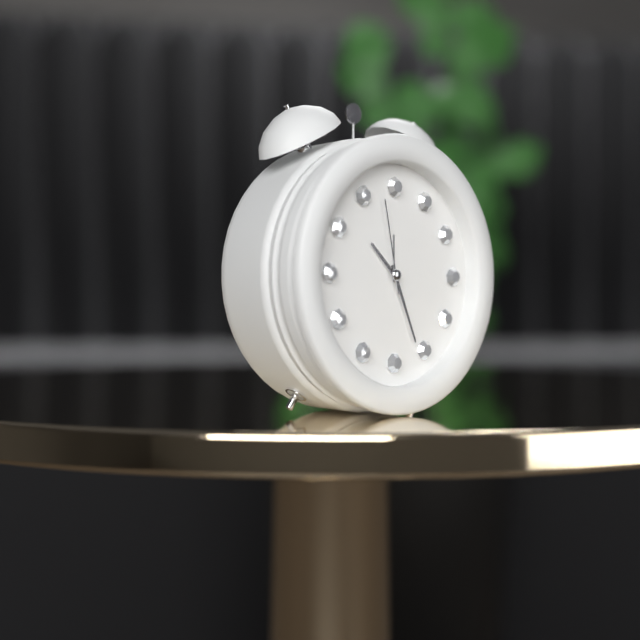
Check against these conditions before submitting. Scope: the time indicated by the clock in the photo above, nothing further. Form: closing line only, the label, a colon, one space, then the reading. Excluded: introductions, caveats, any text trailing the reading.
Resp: 10:26:58
